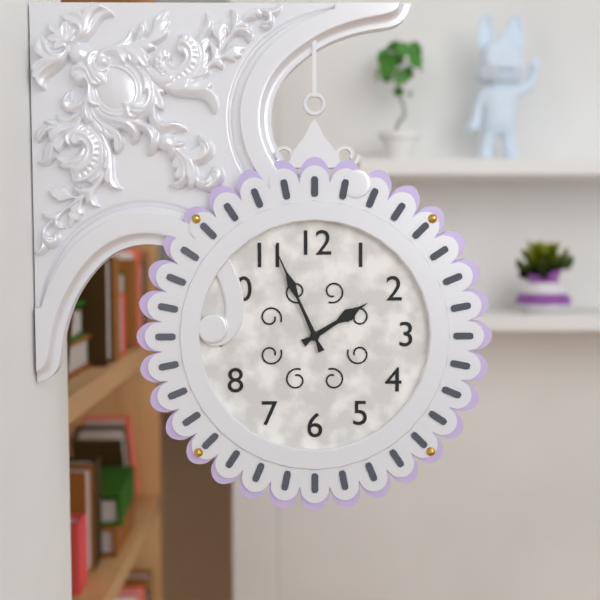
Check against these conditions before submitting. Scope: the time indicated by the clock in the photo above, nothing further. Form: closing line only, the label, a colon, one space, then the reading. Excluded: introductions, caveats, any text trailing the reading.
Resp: 1:56
